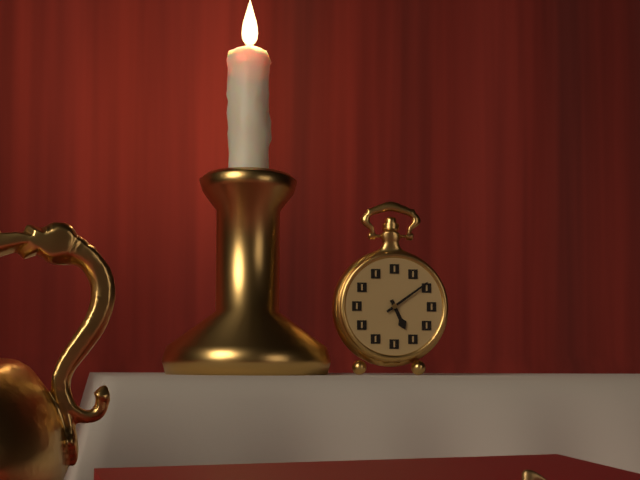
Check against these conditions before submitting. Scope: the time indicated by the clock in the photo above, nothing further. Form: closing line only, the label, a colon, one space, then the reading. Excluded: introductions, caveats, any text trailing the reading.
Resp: 5:09
